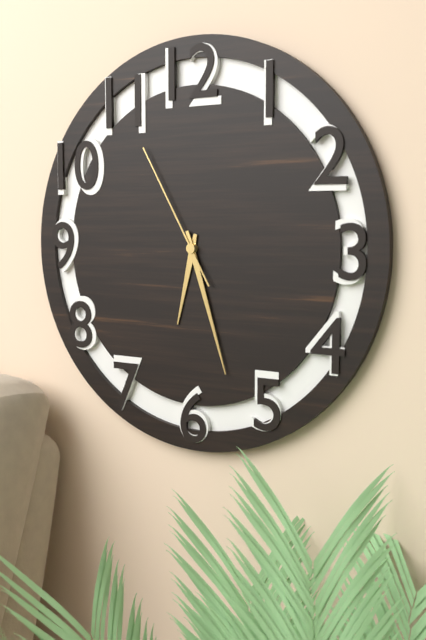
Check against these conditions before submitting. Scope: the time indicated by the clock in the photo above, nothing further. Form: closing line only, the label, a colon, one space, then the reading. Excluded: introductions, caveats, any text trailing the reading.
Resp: 6:27:55
